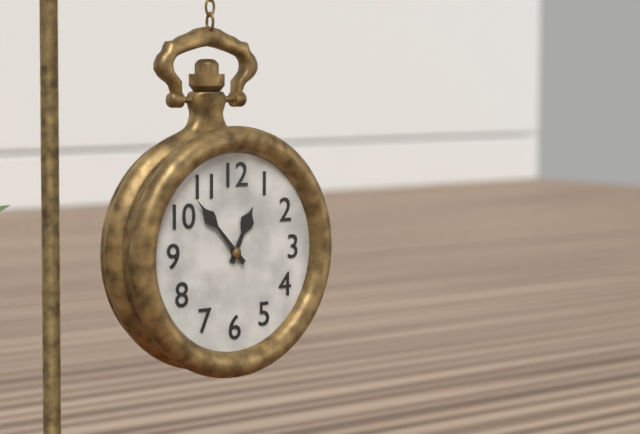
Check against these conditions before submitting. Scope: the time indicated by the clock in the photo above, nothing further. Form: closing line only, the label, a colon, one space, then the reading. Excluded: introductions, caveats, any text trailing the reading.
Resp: 12:53
